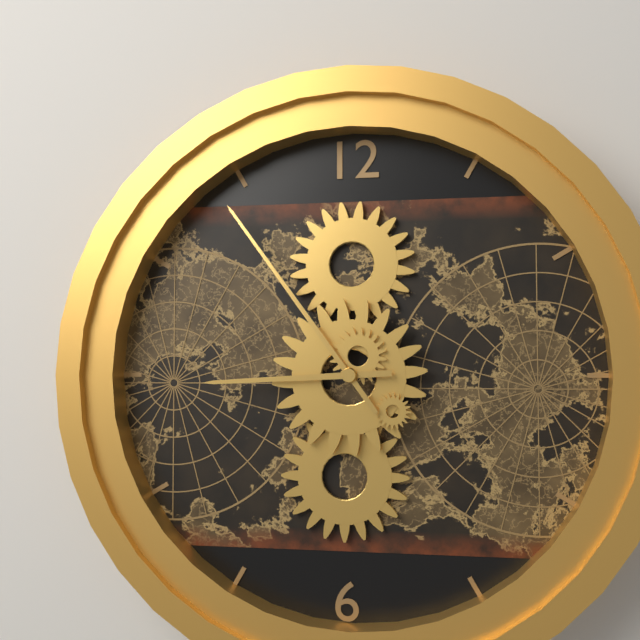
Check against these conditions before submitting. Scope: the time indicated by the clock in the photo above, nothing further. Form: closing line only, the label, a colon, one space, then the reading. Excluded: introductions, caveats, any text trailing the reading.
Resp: 8:54
